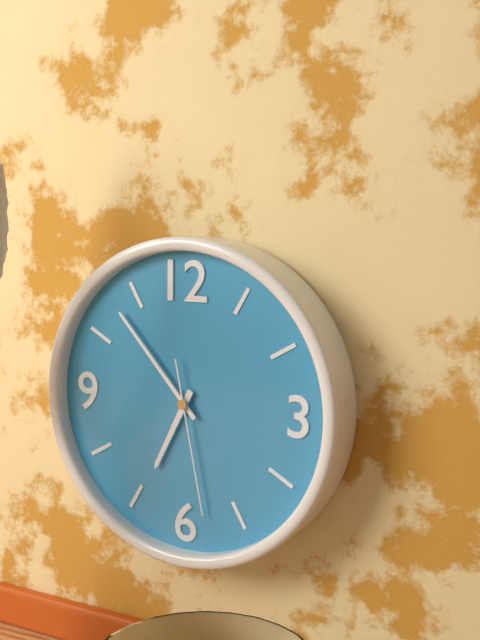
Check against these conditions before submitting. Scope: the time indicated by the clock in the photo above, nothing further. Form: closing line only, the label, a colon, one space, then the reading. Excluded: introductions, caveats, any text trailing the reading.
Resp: 6:53:28
